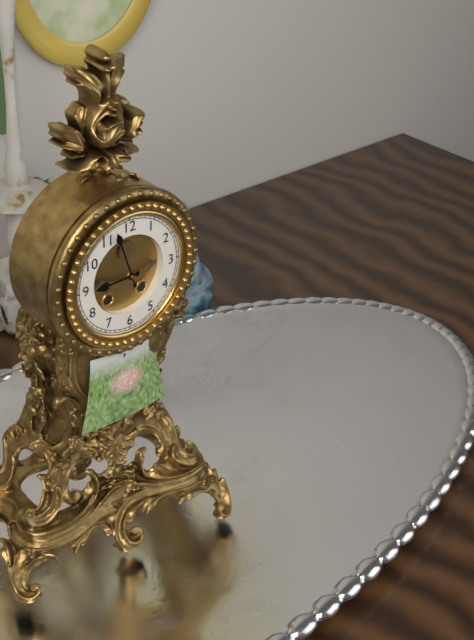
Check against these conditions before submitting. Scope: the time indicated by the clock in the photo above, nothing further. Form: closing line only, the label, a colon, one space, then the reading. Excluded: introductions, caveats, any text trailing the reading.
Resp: 8:57
